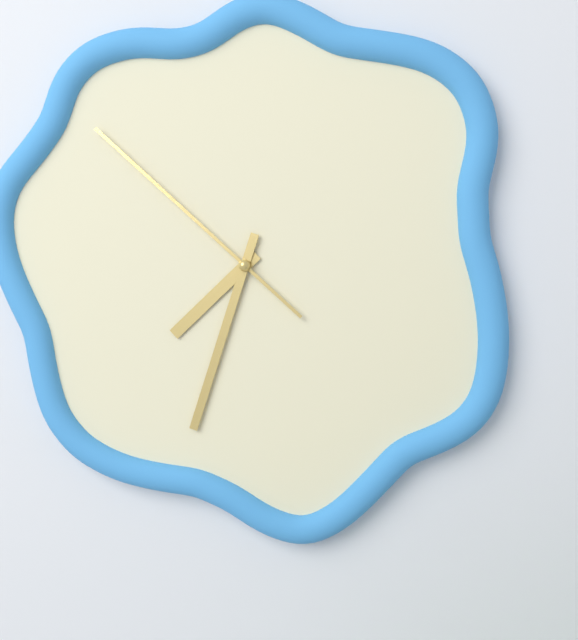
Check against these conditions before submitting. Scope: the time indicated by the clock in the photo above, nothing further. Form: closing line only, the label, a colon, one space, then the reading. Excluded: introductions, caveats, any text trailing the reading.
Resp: 7:33:52
